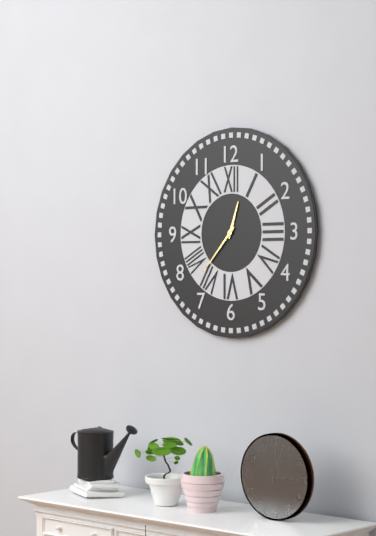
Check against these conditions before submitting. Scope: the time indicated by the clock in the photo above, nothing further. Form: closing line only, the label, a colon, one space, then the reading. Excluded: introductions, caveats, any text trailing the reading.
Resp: 12:37
